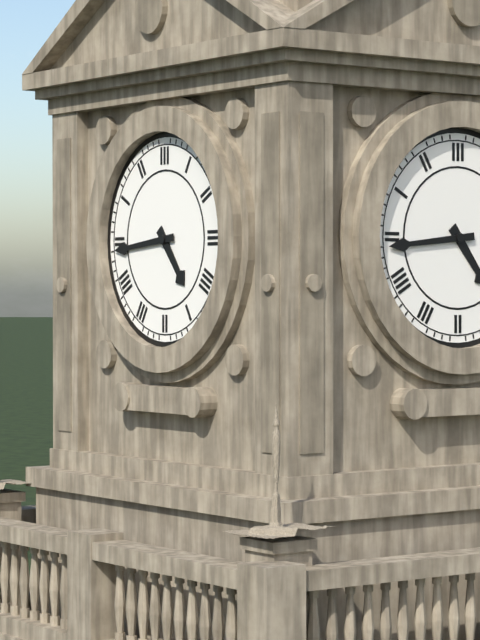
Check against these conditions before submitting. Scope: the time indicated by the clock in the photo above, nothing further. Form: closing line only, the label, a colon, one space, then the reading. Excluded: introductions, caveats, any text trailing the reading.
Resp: 4:44
